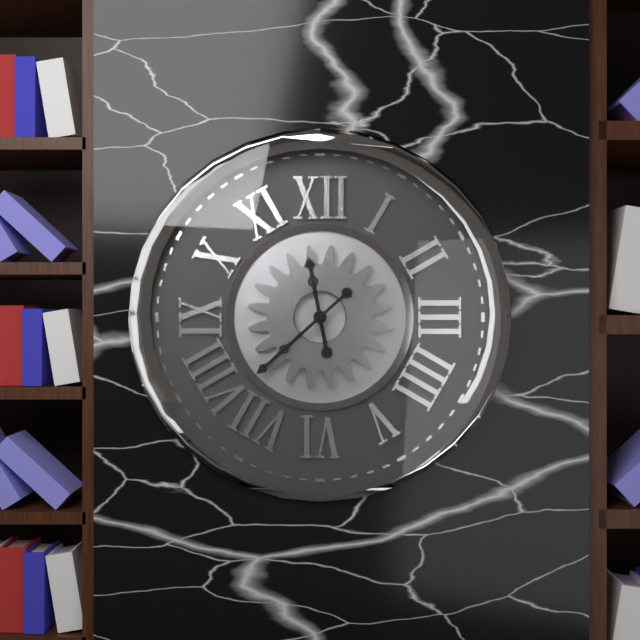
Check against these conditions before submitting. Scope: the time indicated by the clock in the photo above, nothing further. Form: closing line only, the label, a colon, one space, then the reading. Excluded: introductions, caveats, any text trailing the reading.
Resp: 11:38
